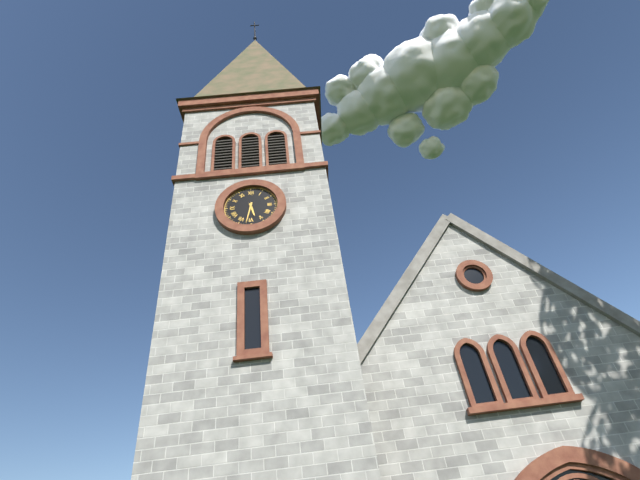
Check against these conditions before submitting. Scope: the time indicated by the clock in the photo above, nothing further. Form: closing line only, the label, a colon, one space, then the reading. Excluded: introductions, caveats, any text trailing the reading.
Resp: 5:32
